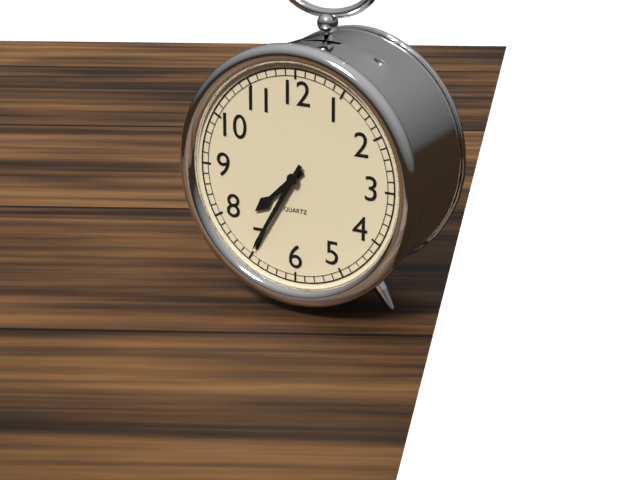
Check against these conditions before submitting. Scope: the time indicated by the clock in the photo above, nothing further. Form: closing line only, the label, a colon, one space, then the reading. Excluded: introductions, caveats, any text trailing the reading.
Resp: 7:35
